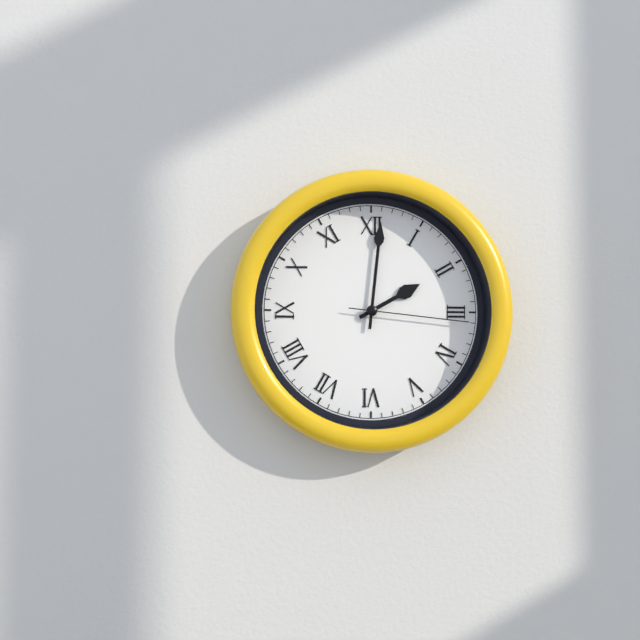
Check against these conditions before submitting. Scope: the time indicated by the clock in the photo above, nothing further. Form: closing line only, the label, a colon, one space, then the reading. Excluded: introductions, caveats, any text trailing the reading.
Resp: 2:01:16
